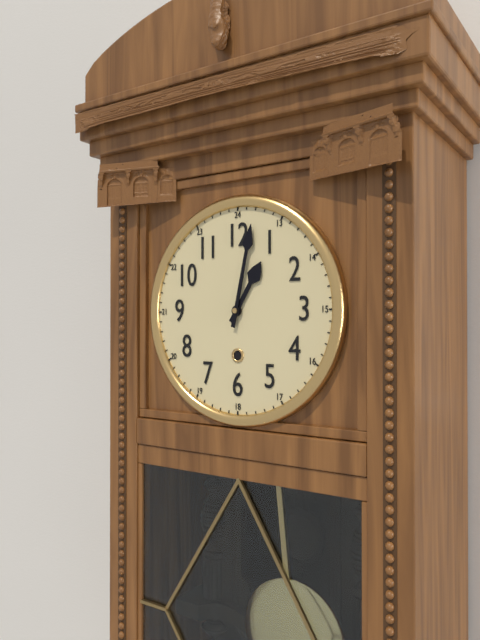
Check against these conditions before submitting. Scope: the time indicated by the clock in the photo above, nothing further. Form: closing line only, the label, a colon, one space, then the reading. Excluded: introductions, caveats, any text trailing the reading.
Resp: 1:02
